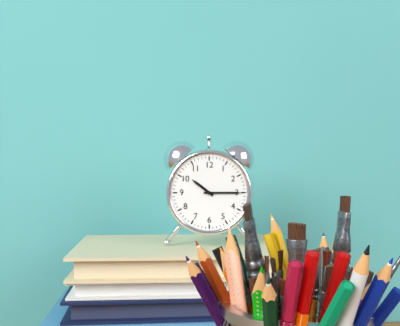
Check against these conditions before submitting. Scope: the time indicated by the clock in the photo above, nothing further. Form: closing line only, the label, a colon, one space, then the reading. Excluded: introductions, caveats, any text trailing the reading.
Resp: 10:15
